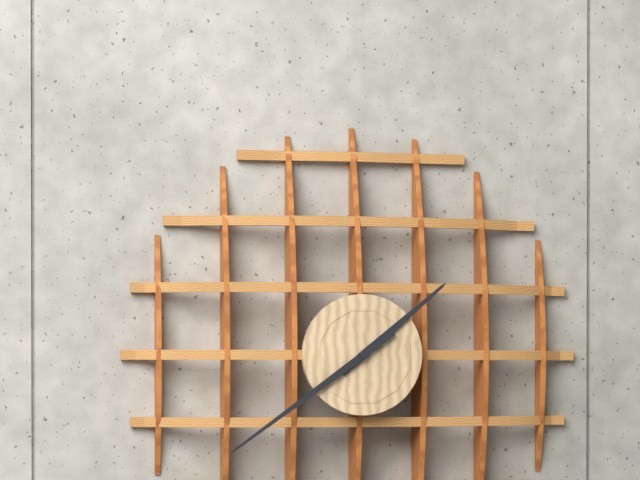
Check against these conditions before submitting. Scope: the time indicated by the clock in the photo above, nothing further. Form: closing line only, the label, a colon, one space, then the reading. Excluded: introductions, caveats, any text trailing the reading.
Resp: 1:39
